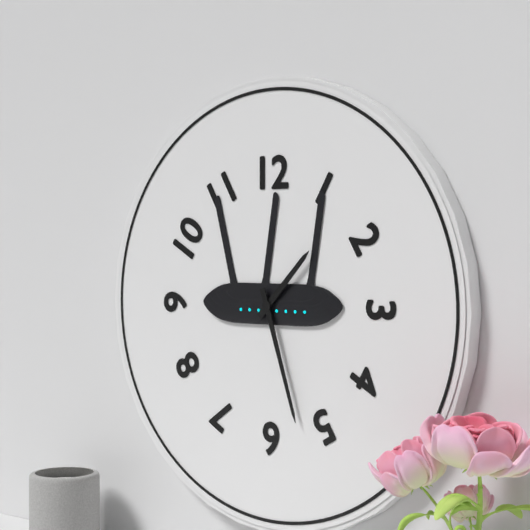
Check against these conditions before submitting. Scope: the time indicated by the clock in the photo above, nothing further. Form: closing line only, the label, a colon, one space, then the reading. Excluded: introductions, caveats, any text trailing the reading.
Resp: 1:27
